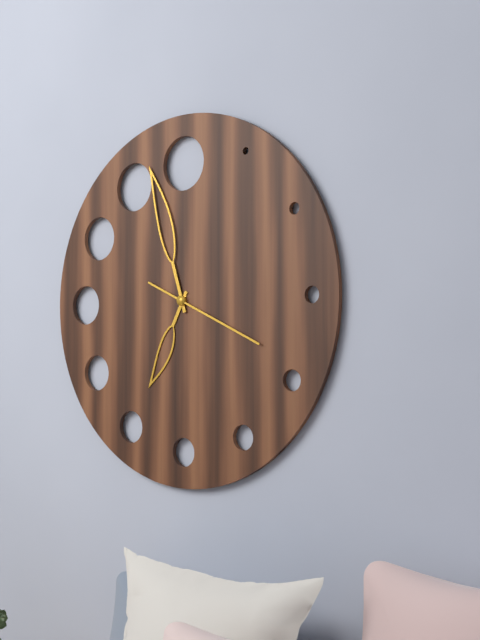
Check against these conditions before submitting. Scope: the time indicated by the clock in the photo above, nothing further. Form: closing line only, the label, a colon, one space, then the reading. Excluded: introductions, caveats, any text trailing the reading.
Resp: 6:57:19
